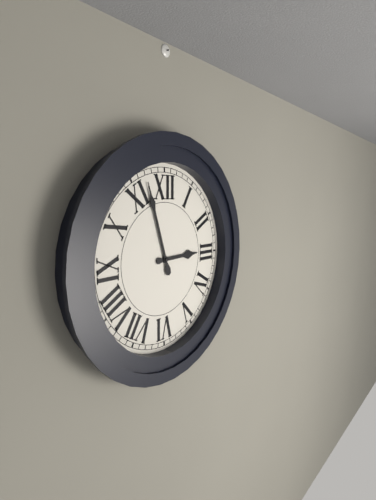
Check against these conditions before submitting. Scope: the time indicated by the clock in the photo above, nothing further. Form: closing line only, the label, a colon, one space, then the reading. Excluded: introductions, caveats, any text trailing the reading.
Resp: 2:57
